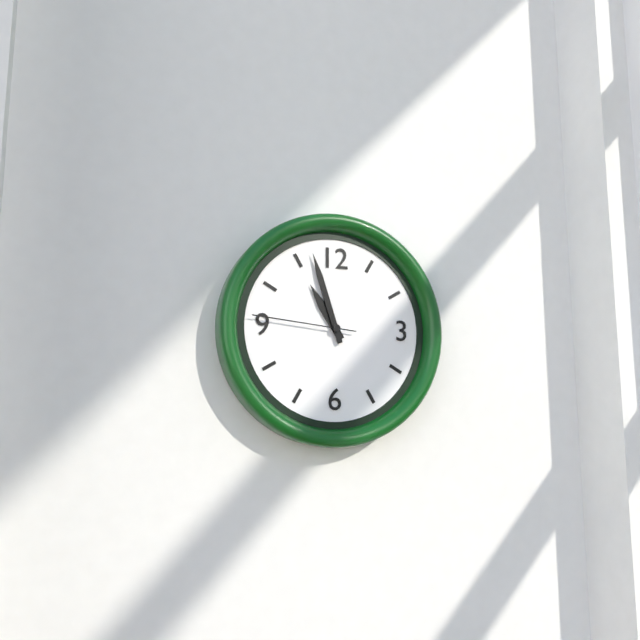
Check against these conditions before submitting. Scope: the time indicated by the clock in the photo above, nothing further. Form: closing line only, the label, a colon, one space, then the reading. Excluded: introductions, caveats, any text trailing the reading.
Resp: 10:57:46
